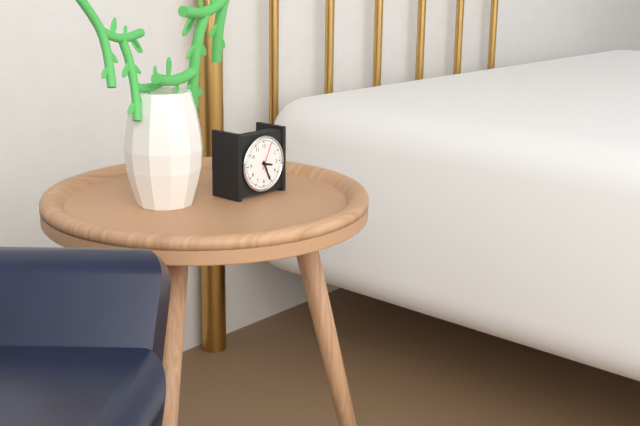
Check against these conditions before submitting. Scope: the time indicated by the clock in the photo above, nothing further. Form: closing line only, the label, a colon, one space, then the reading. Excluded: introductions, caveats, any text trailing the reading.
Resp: 3:26
